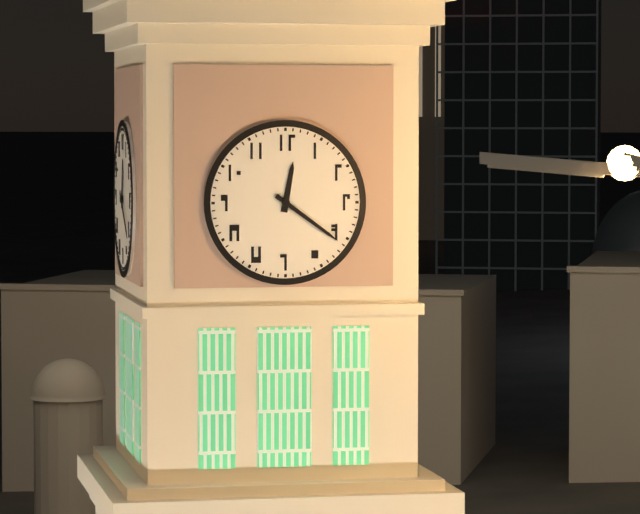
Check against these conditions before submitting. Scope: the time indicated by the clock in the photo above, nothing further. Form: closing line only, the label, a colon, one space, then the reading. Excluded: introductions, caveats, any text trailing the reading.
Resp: 12:21
